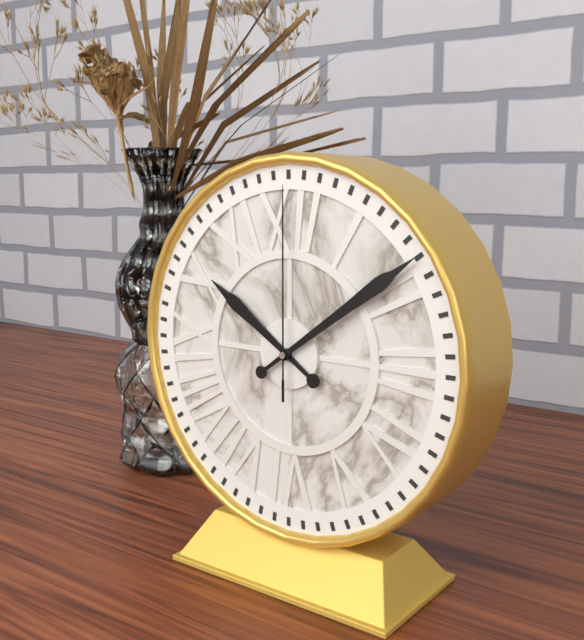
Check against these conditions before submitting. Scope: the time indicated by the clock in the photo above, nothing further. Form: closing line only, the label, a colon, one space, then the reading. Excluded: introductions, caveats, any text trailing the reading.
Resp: 10:09:00
